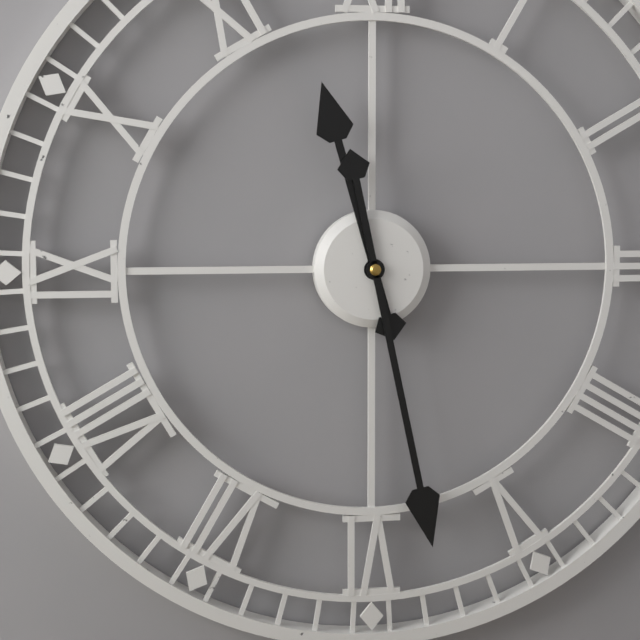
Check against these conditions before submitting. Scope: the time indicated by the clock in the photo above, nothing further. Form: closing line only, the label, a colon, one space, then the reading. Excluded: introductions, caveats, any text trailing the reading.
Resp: 11:28
